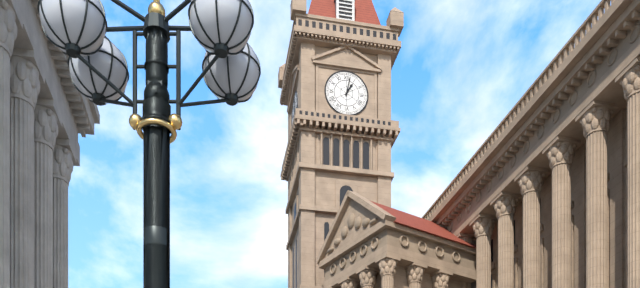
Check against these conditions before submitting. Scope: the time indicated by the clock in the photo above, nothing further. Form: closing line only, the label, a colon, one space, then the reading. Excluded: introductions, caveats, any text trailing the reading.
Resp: 1:02
